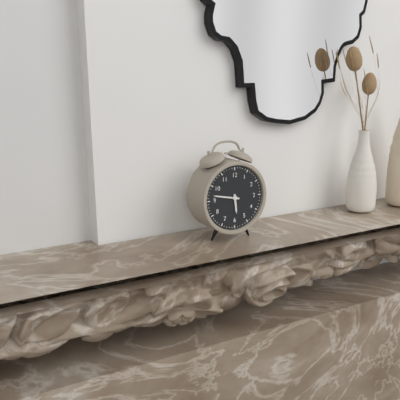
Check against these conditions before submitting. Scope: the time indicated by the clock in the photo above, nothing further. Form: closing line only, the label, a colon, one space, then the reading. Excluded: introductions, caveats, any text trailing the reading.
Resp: 5:47
